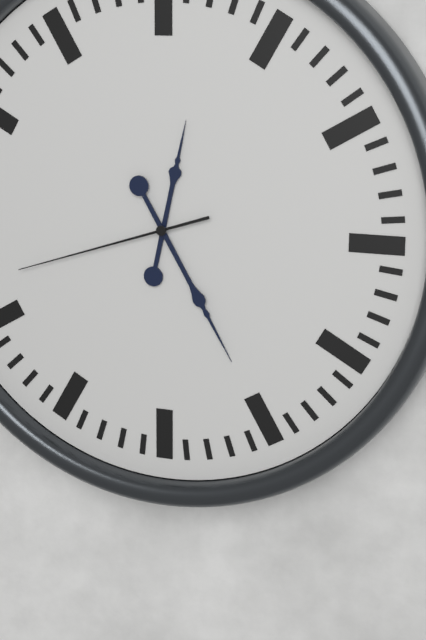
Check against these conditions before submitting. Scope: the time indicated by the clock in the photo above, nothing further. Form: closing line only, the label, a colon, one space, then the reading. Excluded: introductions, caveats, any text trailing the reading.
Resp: 12:25:42
